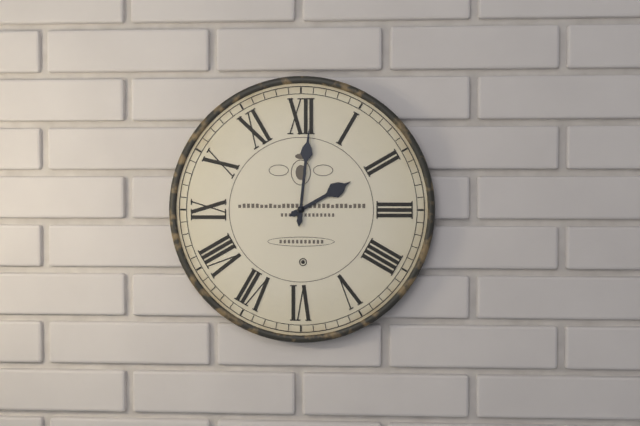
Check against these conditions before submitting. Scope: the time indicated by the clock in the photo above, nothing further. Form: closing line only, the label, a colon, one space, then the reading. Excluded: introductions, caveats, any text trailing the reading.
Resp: 2:01
